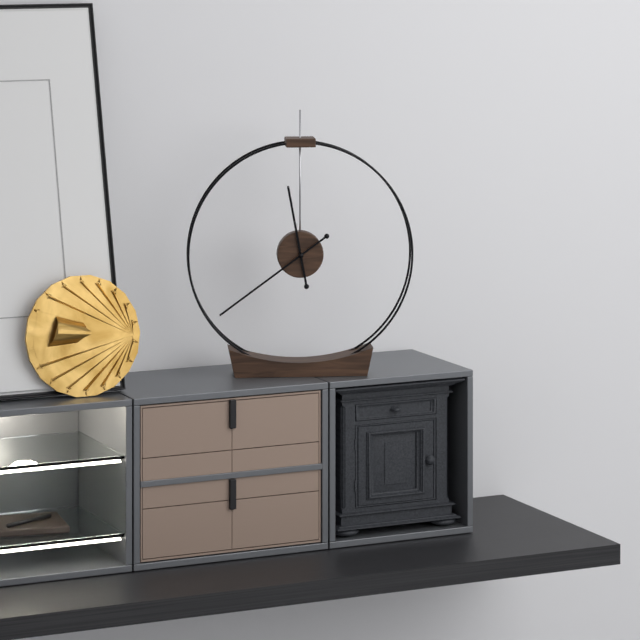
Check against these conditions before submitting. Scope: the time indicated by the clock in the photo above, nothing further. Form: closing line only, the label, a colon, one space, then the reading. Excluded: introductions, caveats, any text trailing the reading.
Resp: 11:39
